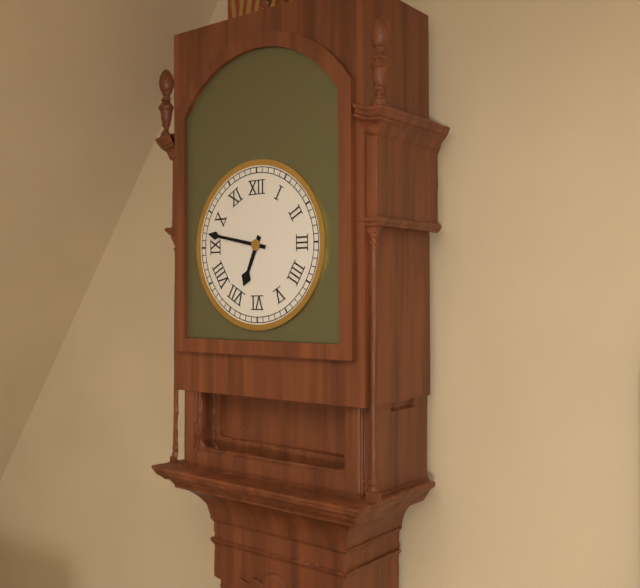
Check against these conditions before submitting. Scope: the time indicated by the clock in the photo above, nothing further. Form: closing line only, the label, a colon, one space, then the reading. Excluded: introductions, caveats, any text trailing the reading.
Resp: 6:47
